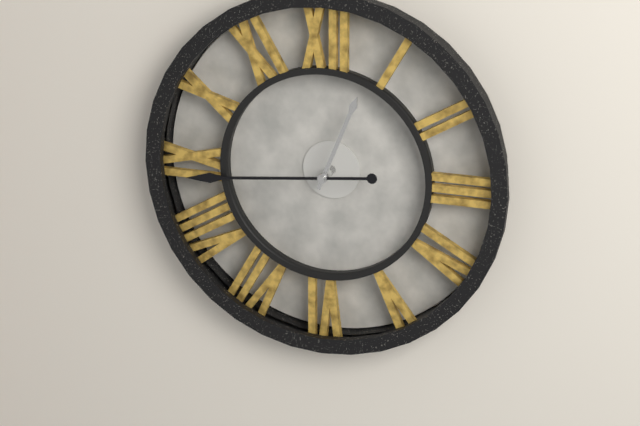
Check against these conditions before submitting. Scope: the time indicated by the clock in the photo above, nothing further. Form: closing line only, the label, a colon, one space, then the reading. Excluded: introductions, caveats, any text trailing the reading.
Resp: 12:44
